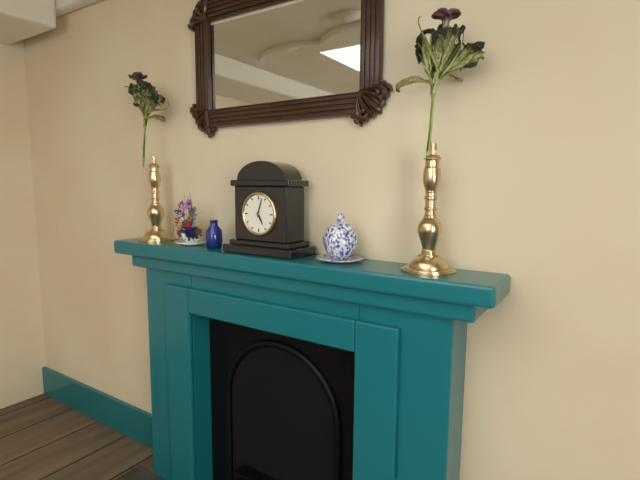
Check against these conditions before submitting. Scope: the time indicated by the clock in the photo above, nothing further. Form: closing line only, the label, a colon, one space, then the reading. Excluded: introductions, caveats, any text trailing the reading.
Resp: 5:03
